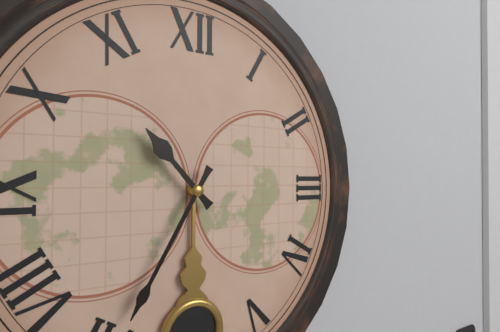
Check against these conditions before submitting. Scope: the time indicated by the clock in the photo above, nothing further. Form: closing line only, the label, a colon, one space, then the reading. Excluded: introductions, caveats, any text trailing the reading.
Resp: 10:35
